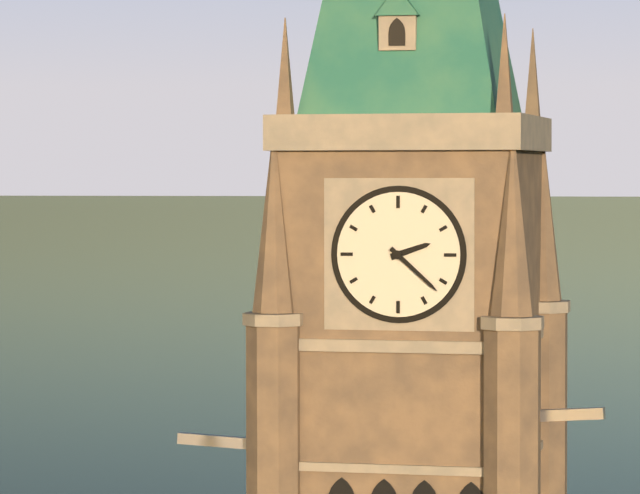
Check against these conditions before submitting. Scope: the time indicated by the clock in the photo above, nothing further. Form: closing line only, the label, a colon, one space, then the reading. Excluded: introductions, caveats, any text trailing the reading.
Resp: 2:22
